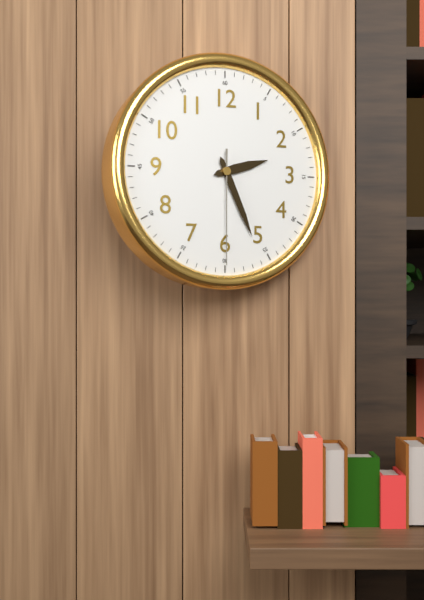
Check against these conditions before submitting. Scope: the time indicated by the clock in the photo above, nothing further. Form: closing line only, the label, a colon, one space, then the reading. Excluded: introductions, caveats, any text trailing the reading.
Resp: 2:26:30
